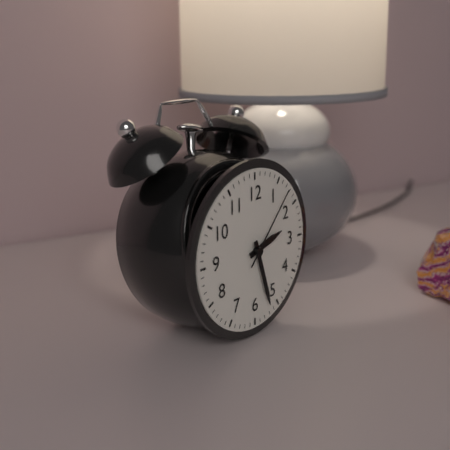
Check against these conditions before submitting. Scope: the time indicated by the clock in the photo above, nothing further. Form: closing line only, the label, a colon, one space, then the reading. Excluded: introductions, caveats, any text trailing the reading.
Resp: 2:27:07
